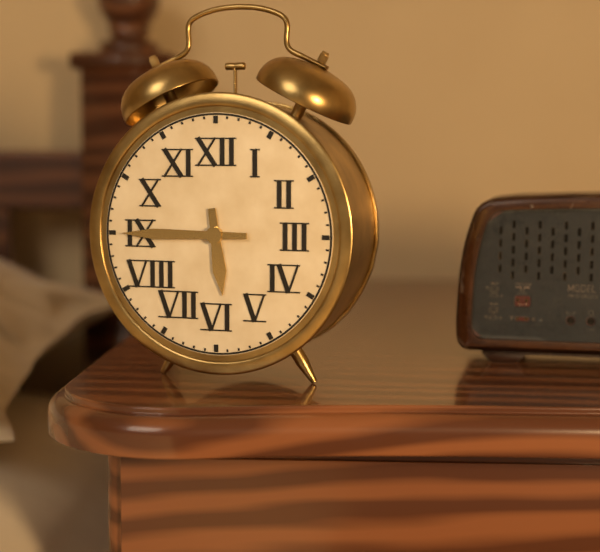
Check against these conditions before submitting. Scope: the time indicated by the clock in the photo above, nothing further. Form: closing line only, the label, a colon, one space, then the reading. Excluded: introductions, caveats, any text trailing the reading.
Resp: 5:45
